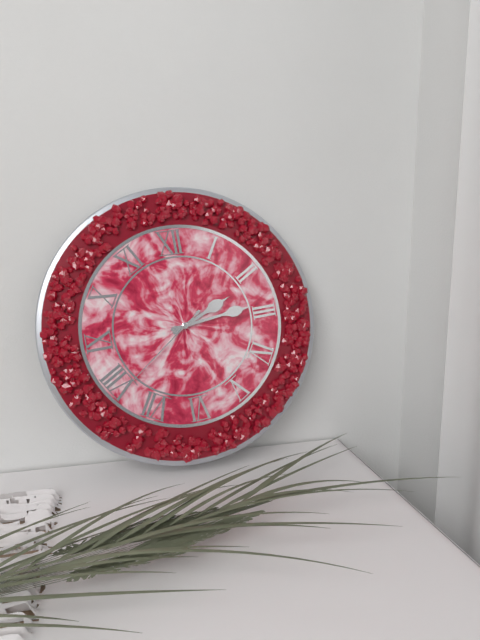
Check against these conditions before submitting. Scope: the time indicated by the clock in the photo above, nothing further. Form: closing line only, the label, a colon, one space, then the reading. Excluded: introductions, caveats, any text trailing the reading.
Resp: 2:14:39
